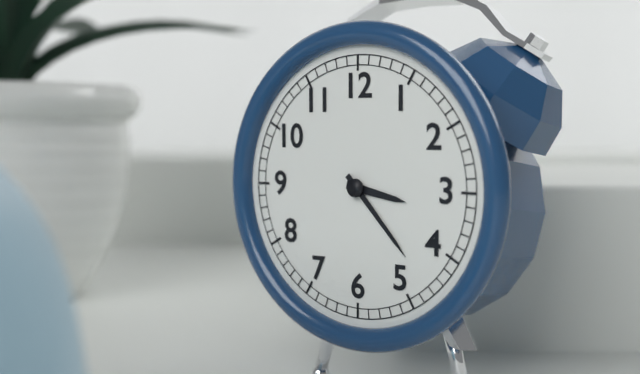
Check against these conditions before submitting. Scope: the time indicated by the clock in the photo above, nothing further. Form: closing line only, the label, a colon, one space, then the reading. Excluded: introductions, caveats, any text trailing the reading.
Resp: 3:23
